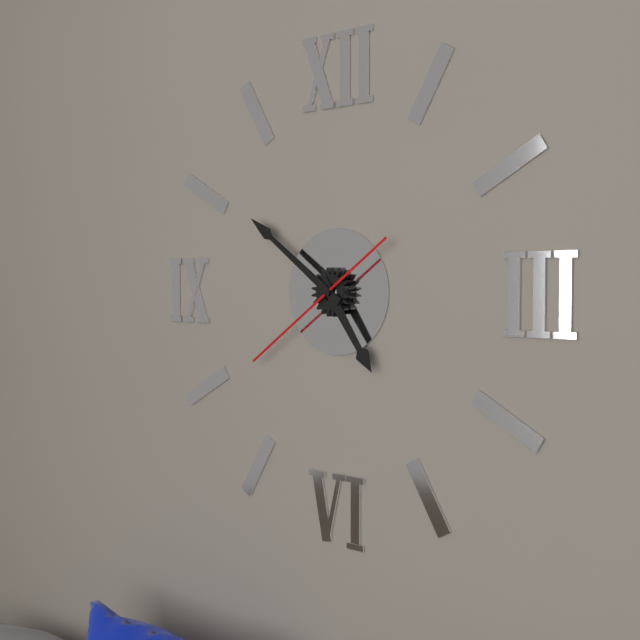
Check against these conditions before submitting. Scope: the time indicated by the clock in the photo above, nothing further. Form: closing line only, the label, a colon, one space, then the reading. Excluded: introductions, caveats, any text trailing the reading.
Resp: 4:51:39
